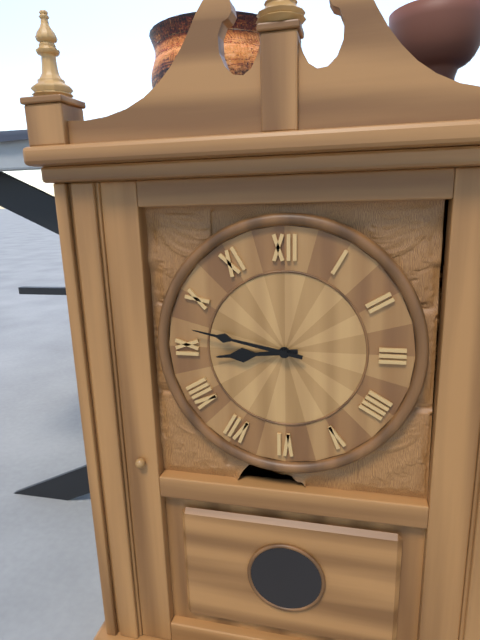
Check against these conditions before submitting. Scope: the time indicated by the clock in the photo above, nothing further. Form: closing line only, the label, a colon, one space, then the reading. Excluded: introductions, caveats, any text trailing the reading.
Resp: 8:47
